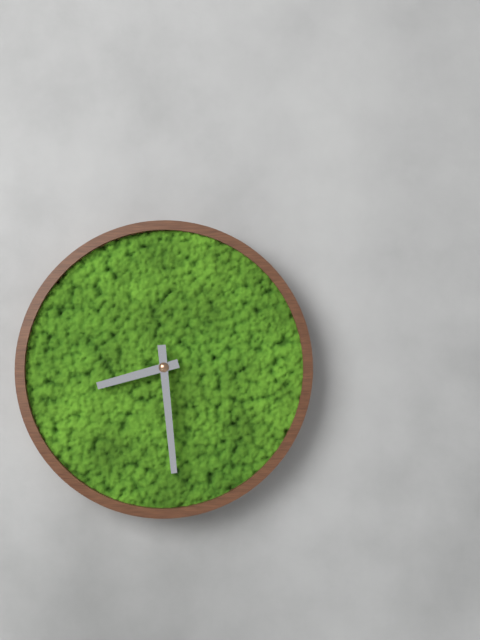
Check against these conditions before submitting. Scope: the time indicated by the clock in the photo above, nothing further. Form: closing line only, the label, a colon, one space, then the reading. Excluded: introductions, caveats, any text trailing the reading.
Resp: 8:29
